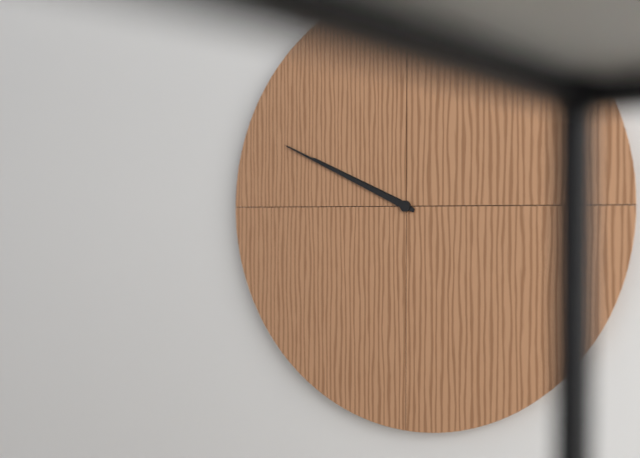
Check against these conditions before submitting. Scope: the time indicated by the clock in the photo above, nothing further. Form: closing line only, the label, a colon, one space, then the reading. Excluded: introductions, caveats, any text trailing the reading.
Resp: 9:49
